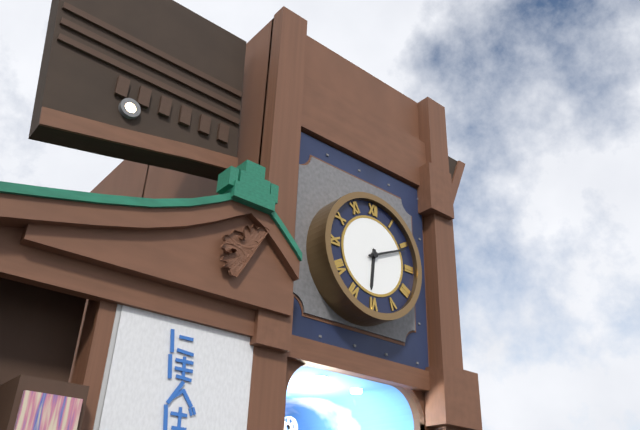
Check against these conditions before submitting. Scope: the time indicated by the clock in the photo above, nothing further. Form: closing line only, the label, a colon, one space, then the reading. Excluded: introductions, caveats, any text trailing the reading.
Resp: 6:11
